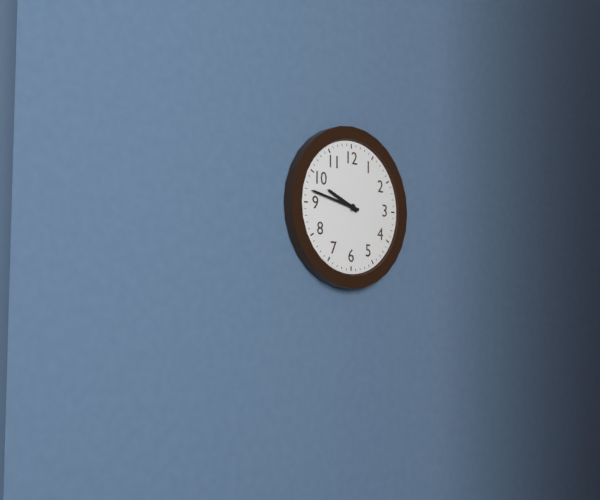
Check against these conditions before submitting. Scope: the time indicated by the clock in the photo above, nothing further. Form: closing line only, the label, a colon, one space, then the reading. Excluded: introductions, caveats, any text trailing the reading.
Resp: 9:47
